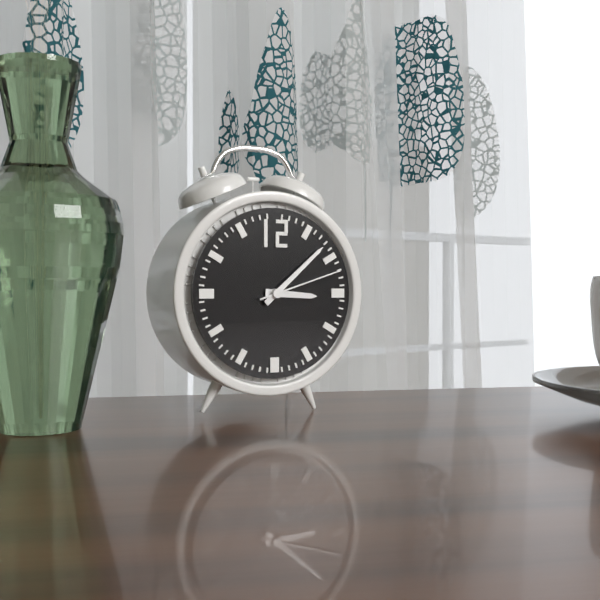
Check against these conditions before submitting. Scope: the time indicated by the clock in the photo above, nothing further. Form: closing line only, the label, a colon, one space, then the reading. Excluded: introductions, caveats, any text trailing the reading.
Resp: 3:08:12
